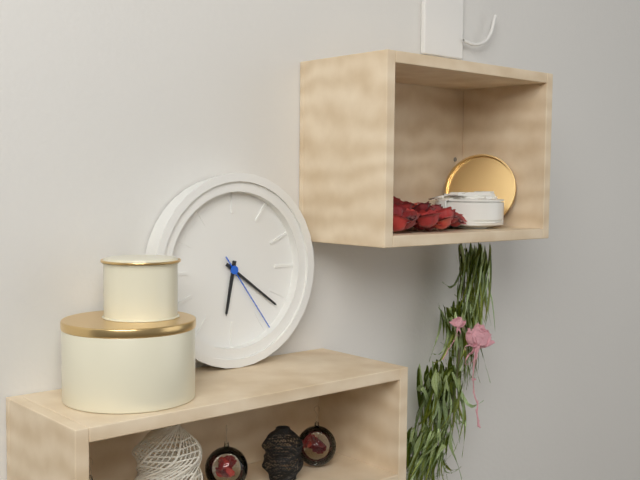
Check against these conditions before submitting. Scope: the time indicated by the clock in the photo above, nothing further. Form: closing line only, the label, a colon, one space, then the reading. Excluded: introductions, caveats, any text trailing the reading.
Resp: 6:21:24
